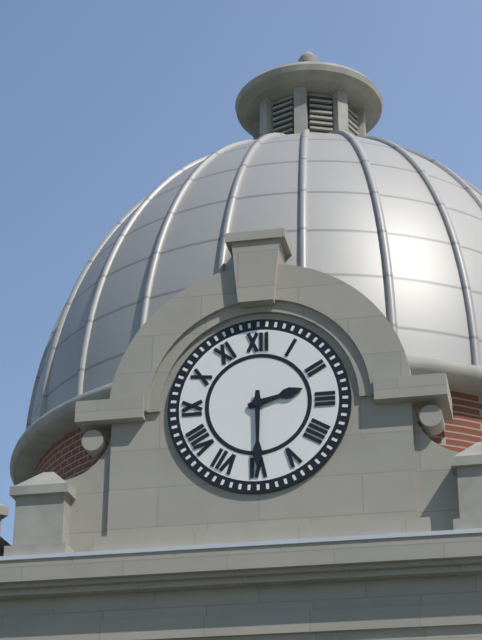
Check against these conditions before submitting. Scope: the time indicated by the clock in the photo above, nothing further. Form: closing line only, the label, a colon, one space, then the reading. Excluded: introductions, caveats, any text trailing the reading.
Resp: 2:30
